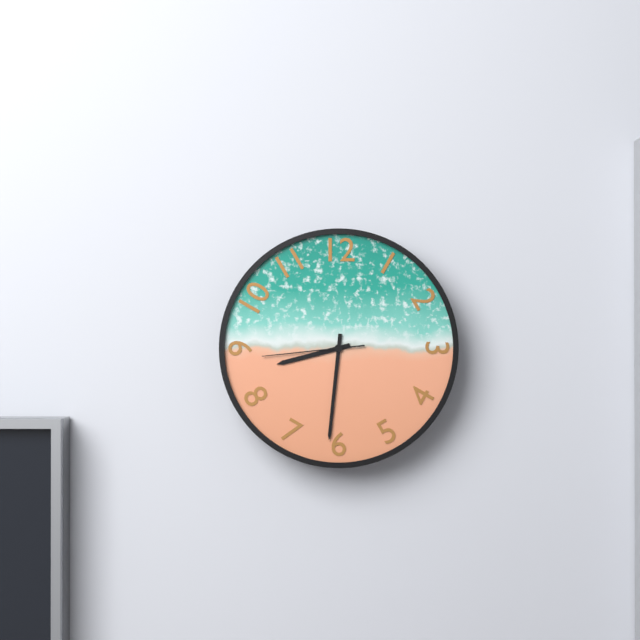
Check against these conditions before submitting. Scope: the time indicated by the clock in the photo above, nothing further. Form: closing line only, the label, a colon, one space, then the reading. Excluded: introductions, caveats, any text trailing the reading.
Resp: 8:31:44
